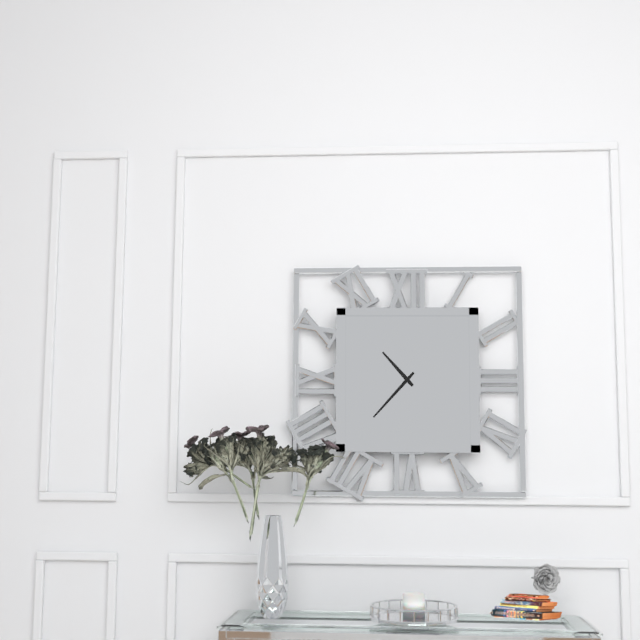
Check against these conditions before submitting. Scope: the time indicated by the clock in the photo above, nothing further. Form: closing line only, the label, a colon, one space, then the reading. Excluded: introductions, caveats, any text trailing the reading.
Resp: 10:37
